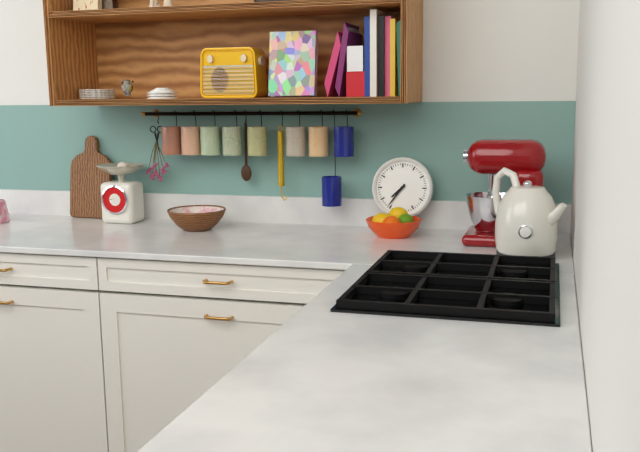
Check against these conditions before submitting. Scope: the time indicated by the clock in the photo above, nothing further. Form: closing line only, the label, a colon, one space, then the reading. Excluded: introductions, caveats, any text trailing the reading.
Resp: 7:36
